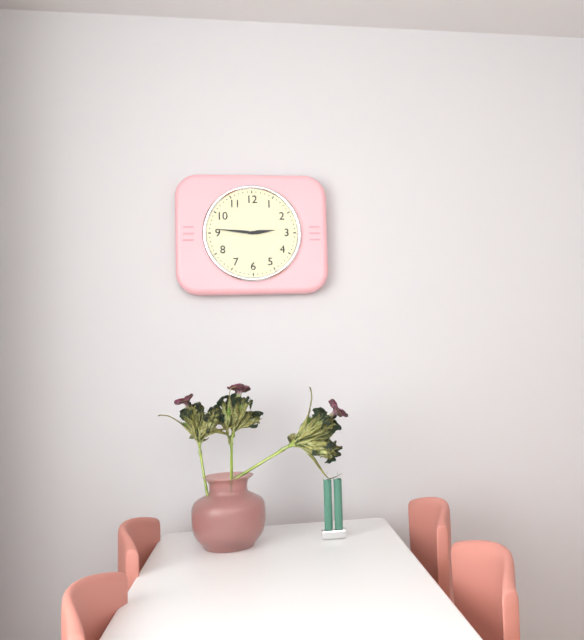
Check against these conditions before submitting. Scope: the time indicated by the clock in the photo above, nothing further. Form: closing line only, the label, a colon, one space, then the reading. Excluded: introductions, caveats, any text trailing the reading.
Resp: 2:46
